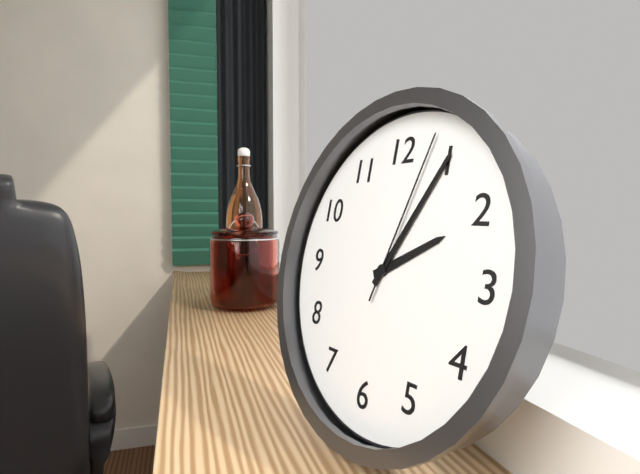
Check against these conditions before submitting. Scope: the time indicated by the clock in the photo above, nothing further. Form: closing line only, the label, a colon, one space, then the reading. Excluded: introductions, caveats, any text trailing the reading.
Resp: 2:05:03
